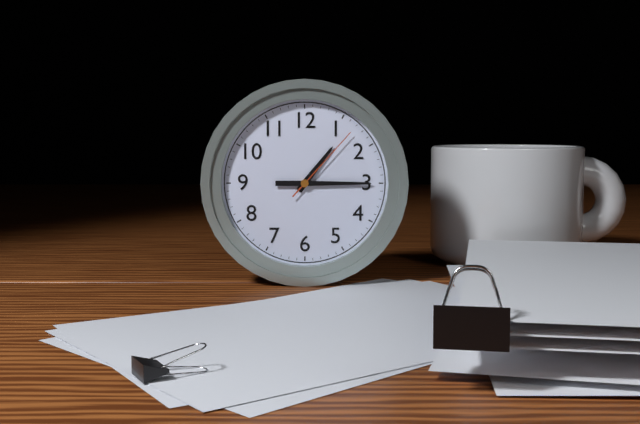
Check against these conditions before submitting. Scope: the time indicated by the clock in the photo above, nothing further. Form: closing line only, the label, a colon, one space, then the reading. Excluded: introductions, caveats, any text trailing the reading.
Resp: 1:15:07
